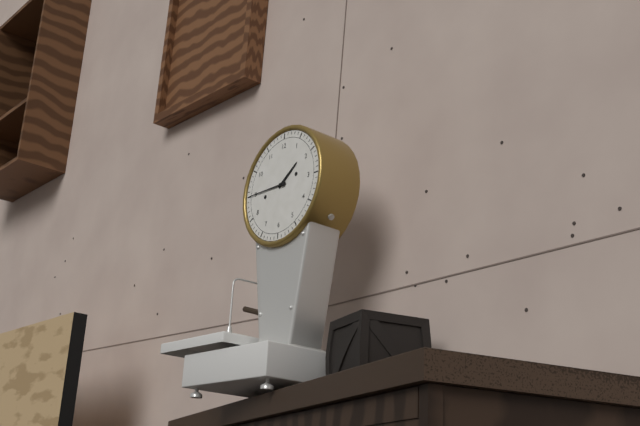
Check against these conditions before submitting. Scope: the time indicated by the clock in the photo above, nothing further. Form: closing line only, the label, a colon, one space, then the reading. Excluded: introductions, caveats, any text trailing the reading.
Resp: 1:45
